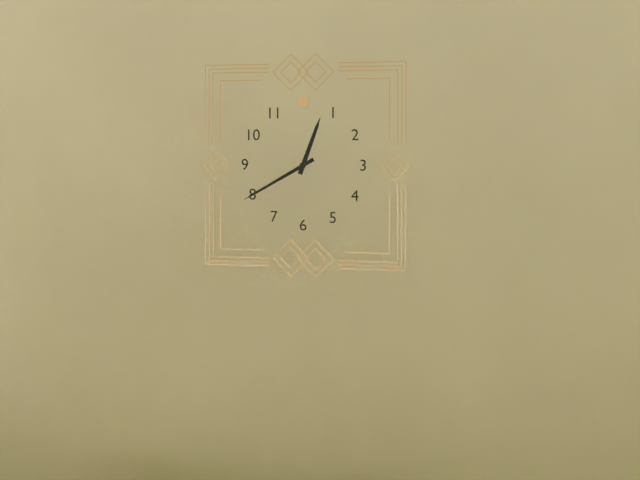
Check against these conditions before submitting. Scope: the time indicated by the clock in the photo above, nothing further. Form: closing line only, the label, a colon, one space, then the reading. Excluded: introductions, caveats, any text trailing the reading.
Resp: 12:40
